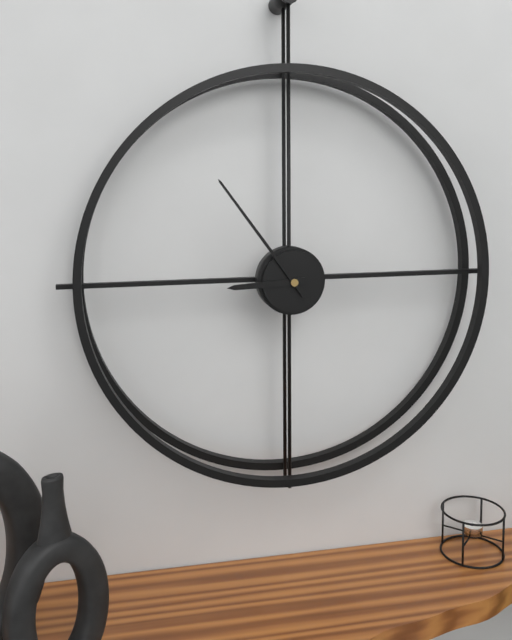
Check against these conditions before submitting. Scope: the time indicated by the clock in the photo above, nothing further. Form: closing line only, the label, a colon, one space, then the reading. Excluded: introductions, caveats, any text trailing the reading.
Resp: 8:54
